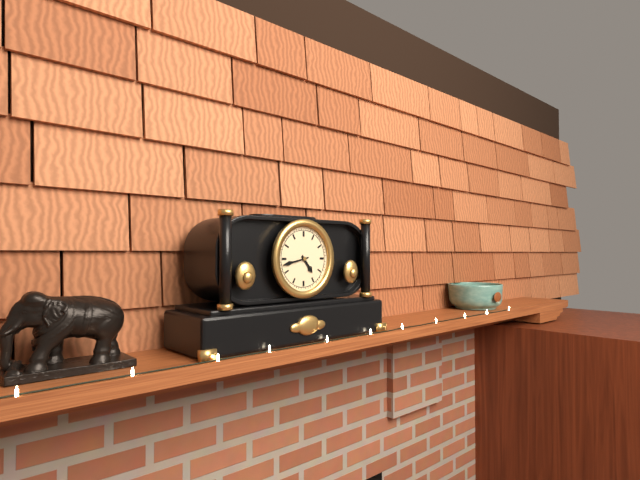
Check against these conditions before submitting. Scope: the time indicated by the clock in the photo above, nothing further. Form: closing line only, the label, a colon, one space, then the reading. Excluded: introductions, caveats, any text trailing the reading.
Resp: 4:43
